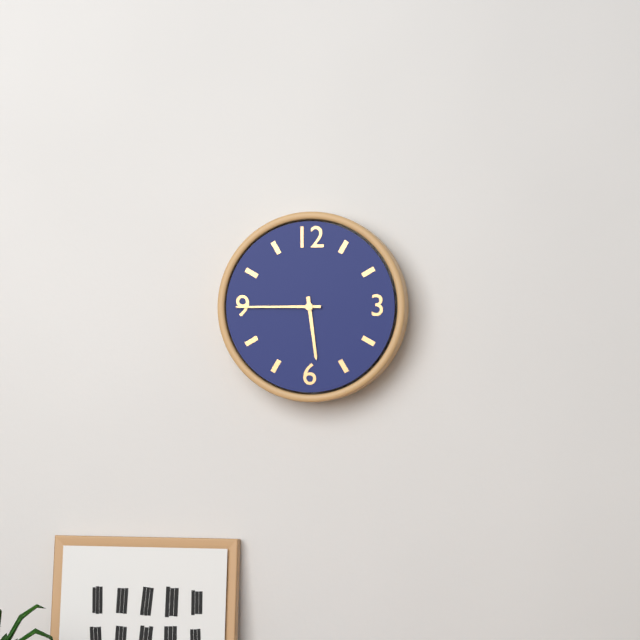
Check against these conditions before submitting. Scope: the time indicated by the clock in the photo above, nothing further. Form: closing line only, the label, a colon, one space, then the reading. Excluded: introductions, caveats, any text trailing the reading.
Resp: 5:45
